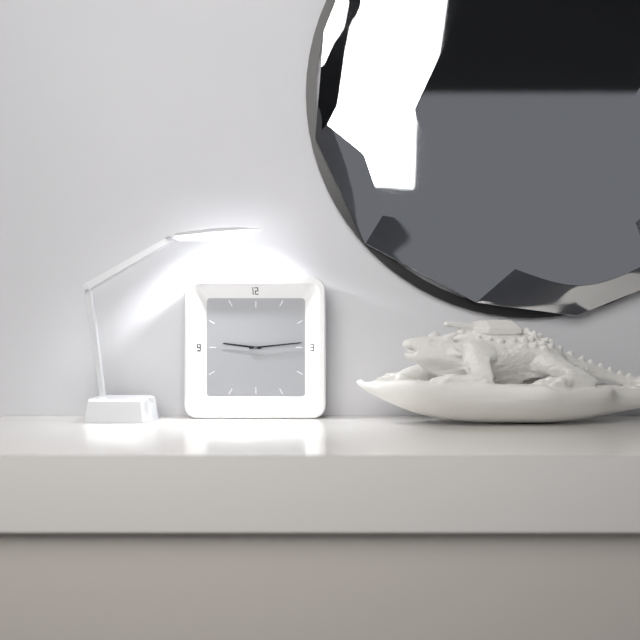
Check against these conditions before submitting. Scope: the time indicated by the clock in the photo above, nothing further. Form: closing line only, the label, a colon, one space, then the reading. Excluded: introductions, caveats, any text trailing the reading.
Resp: 9:14
